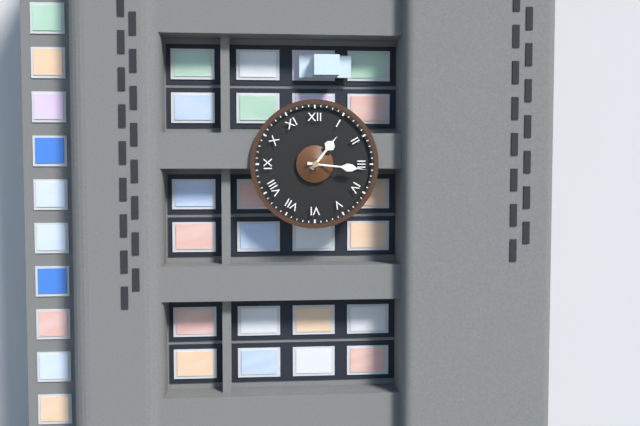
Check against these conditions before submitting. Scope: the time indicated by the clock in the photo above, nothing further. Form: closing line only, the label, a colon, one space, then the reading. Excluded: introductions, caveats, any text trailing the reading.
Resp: 1:16
